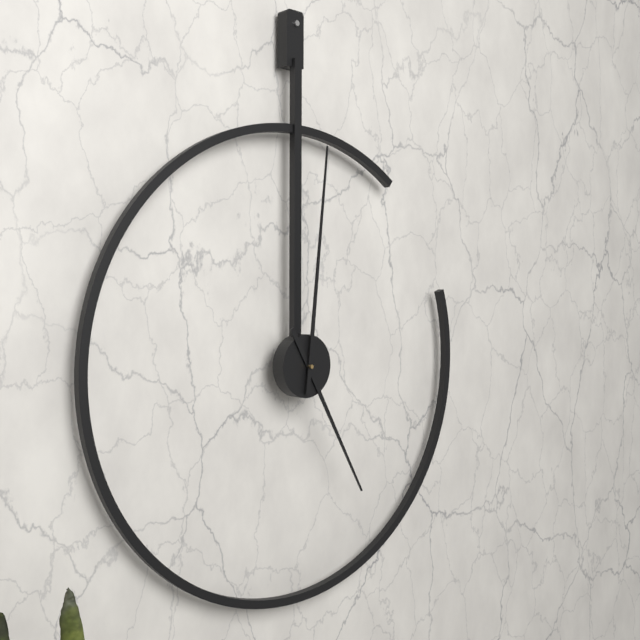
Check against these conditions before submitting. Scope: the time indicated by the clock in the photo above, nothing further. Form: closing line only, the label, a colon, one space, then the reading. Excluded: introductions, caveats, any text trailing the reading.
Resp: 5:01
